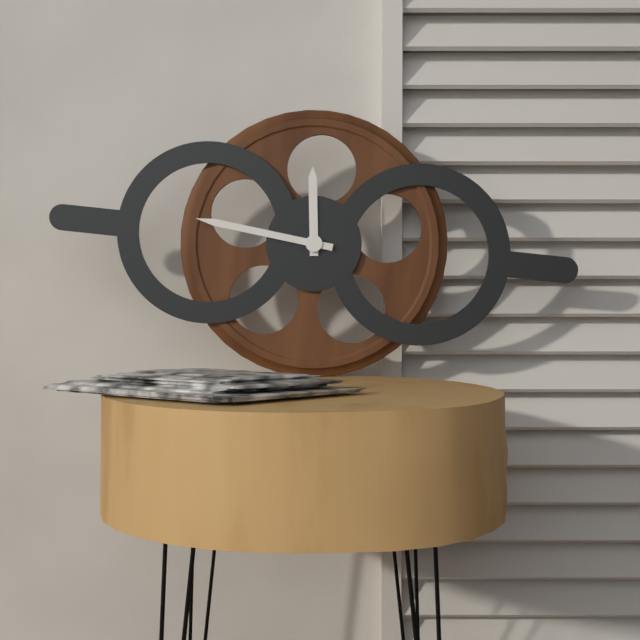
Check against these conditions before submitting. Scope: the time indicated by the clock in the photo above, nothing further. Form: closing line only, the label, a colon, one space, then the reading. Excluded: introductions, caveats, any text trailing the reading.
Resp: 11:46
